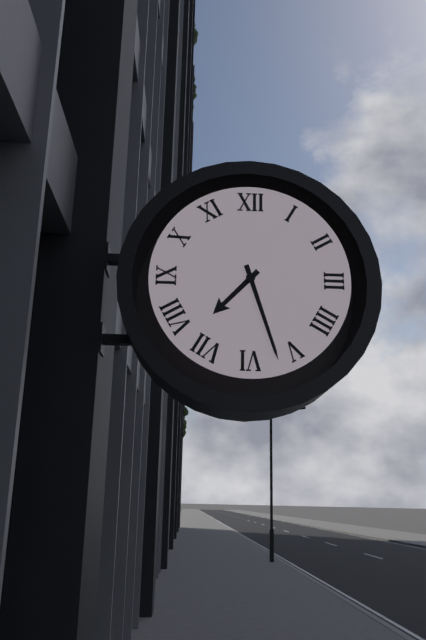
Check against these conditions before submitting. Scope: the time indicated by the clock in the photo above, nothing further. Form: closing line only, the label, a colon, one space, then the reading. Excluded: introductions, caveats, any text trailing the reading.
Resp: 7:27
